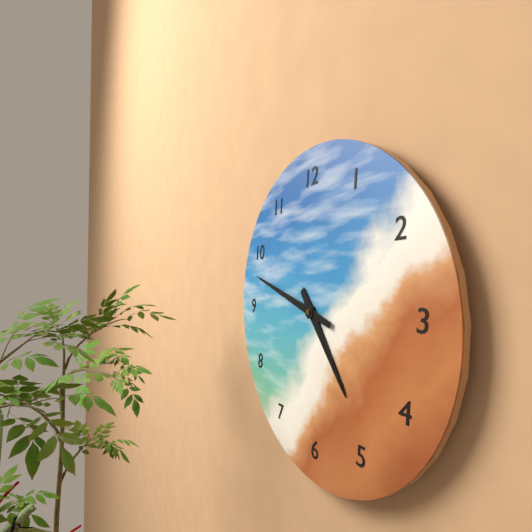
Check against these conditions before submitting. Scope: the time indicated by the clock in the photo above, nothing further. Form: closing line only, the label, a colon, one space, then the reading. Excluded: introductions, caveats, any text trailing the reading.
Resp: 4:48
